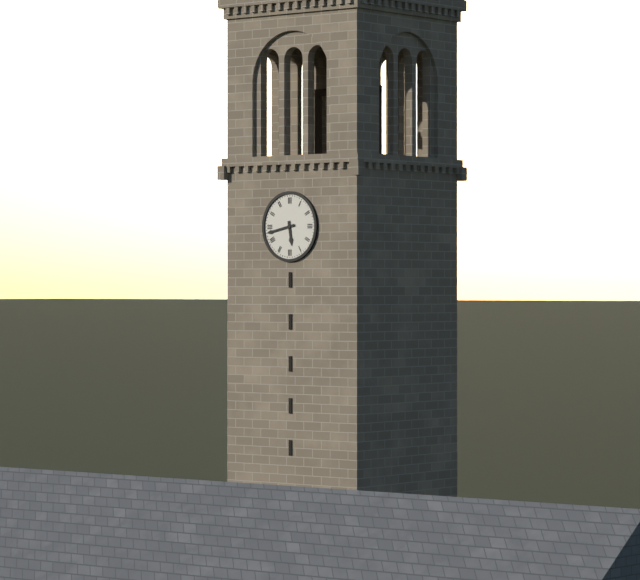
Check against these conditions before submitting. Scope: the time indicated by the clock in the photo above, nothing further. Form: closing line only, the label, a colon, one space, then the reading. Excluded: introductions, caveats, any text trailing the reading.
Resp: 5:43
